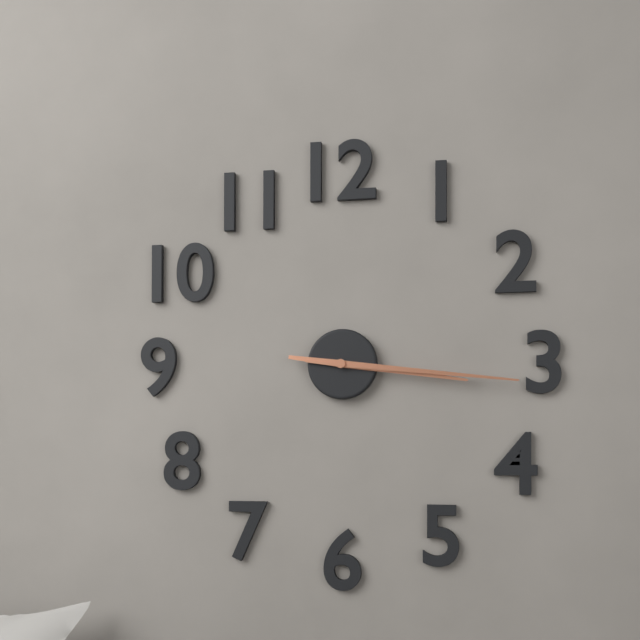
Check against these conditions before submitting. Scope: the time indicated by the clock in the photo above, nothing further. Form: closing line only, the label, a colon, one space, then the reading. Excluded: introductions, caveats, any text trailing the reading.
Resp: 3:16
